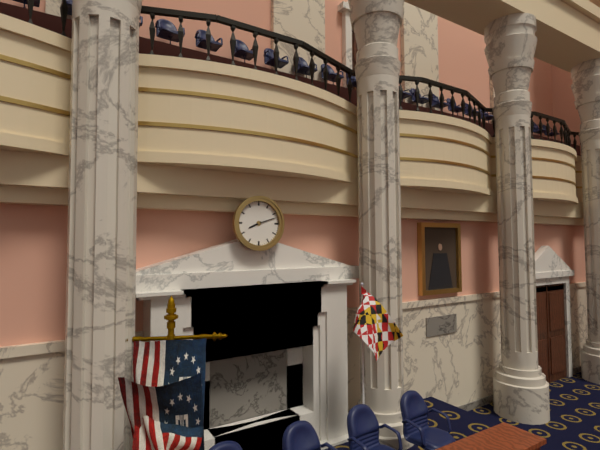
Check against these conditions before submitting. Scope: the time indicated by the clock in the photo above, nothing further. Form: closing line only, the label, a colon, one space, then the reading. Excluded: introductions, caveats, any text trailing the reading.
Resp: 8:12
